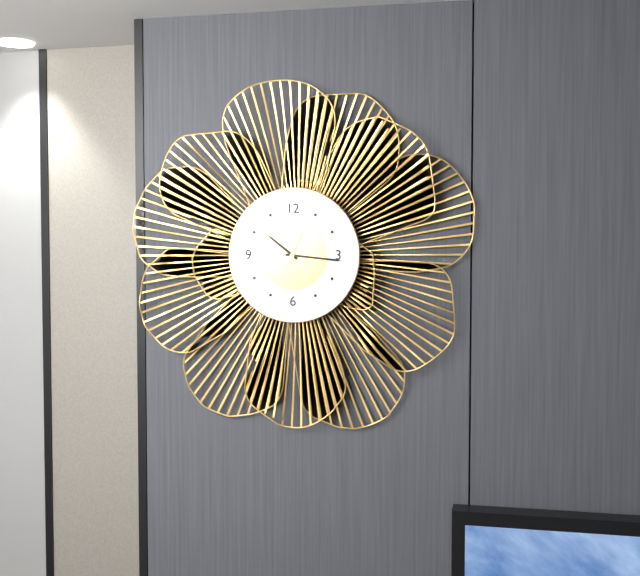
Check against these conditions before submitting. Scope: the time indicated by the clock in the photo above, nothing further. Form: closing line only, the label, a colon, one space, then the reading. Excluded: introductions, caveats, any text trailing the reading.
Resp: 10:16:04
